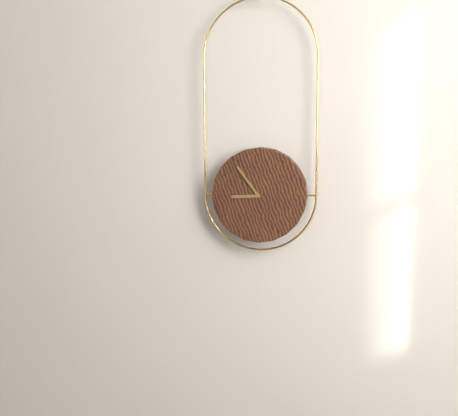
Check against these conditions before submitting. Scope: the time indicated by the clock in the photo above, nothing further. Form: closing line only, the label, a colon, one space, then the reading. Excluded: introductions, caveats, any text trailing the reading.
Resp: 8:54
